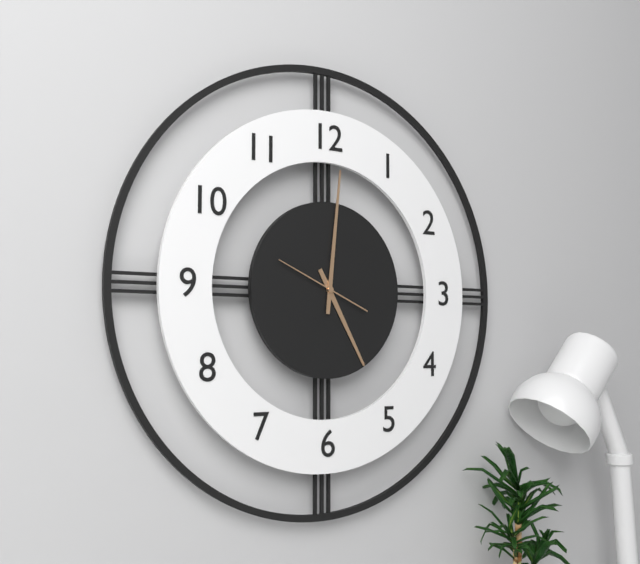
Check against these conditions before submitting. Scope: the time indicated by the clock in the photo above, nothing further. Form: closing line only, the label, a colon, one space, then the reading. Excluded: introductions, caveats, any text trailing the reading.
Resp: 5:01:49
